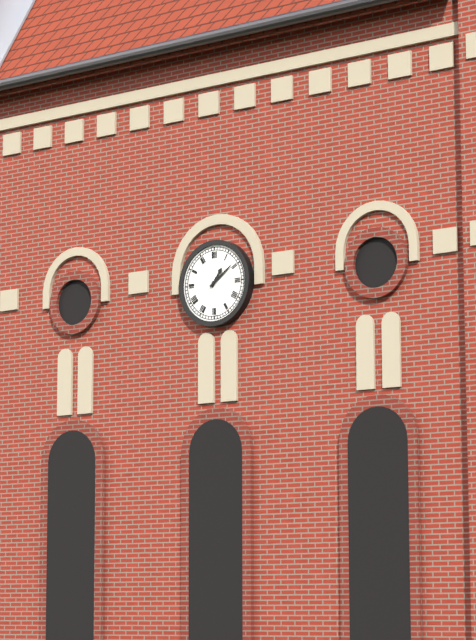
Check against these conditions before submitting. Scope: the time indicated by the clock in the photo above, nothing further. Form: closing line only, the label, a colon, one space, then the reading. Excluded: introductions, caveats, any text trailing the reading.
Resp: 1:09
